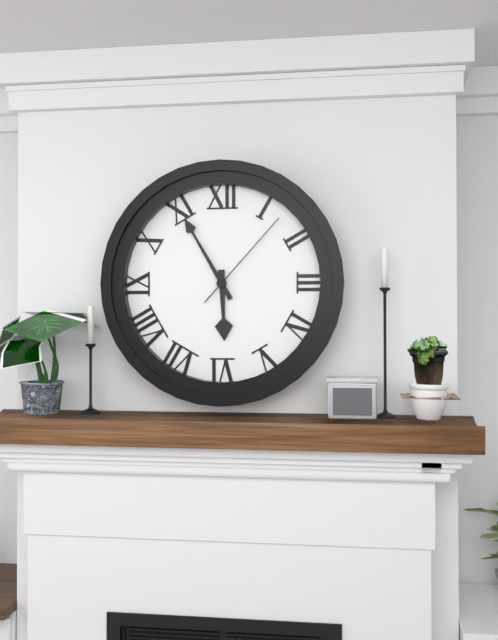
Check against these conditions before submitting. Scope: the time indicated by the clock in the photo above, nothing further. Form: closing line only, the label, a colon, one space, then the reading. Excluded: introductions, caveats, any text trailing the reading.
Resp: 5:55:07
